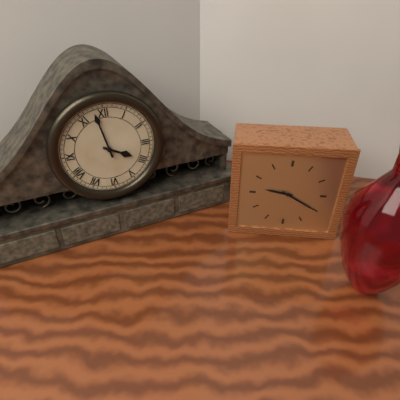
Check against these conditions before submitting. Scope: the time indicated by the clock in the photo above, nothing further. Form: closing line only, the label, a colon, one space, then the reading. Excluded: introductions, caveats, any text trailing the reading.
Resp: 3:58
